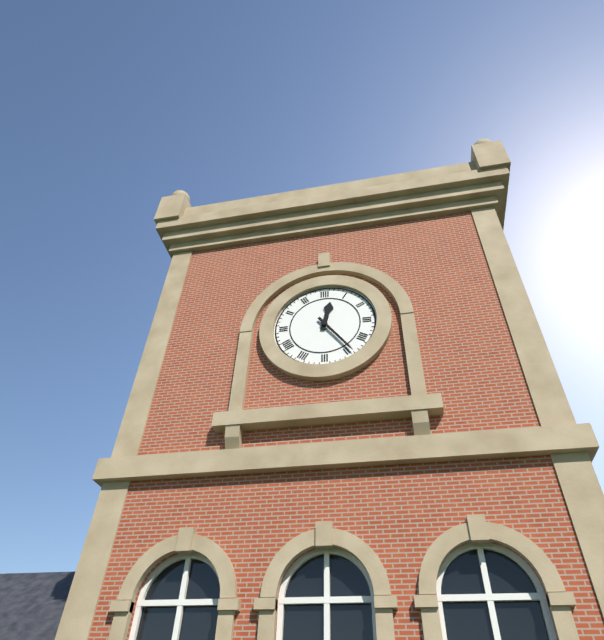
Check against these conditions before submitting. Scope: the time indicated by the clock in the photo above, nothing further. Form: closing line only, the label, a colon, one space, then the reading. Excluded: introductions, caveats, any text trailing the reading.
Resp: 12:24
